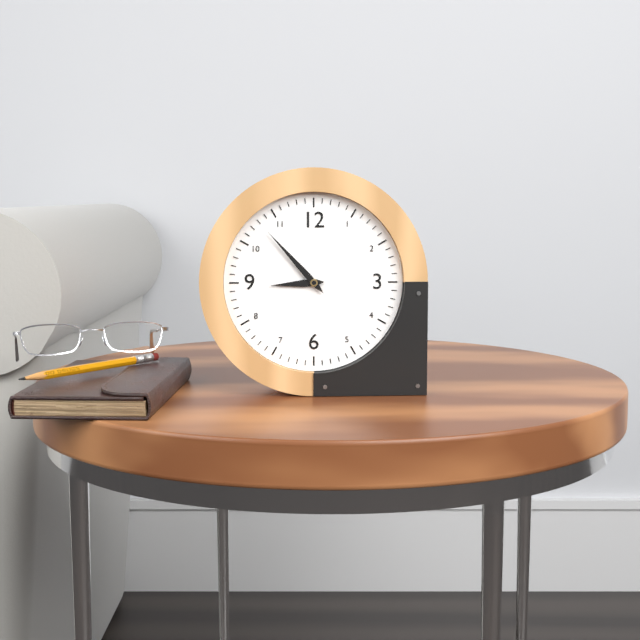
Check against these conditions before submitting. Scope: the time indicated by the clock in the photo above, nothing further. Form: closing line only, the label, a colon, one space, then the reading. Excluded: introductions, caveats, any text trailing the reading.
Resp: 8:53
